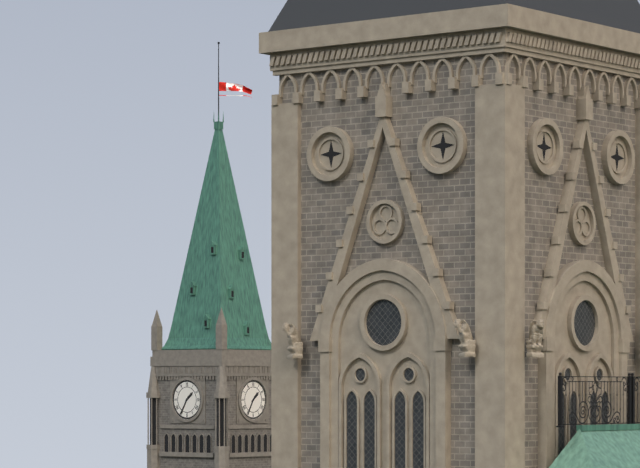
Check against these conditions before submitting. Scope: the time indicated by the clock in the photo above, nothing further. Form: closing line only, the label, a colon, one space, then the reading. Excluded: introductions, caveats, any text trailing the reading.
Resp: 1:35
